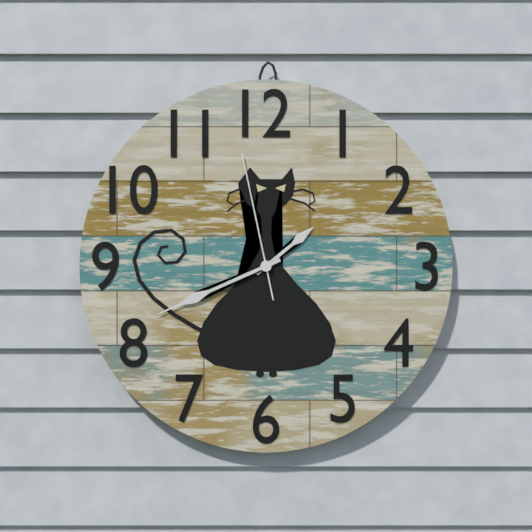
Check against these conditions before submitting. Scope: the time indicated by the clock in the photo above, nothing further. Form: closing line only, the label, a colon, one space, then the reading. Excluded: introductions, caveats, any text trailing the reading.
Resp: 1:41:58
